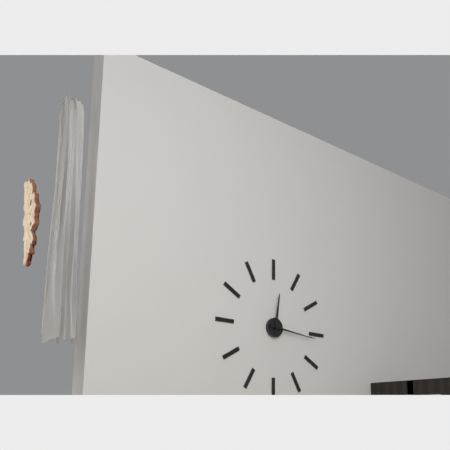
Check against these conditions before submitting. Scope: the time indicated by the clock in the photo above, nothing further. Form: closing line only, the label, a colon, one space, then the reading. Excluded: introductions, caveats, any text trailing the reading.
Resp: 12:16
